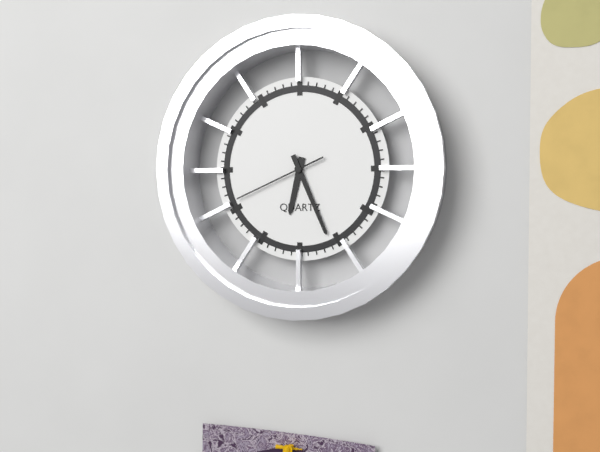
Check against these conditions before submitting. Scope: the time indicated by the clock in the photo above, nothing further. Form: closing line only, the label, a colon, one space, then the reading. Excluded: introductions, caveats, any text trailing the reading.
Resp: 6:26:41
